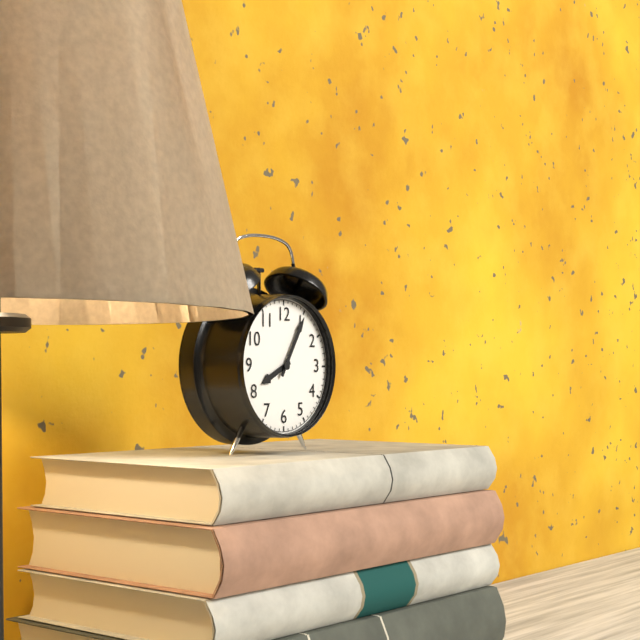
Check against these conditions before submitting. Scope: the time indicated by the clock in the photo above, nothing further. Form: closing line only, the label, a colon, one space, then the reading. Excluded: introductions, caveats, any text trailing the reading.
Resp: 8:05
